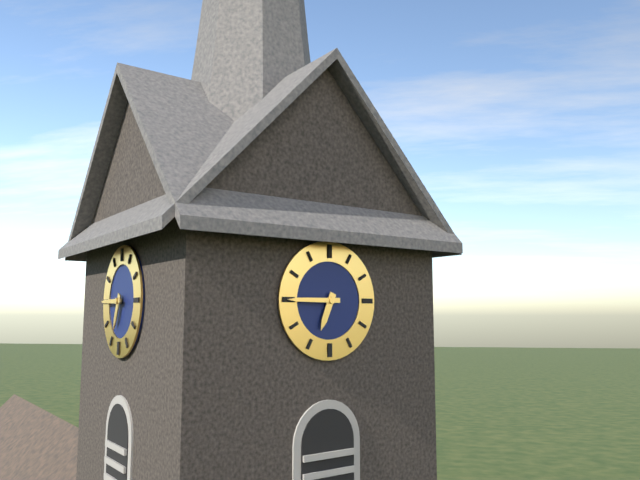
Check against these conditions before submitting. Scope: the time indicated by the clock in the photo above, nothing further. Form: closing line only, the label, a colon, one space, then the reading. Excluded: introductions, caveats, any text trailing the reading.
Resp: 6:45
